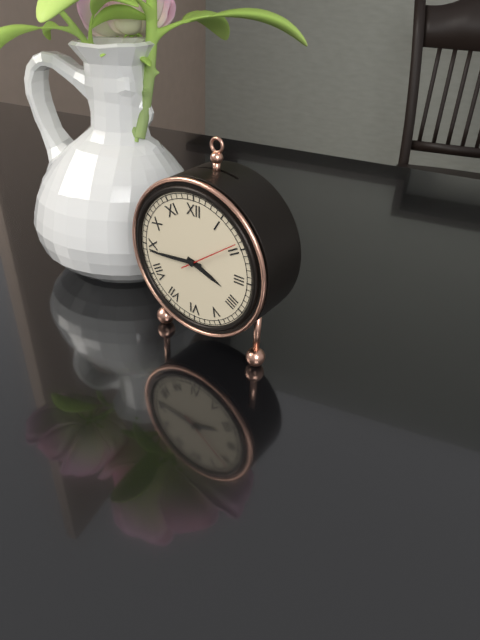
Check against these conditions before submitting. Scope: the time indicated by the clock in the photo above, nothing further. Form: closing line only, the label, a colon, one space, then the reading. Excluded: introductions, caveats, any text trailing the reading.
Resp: 3:44:09
